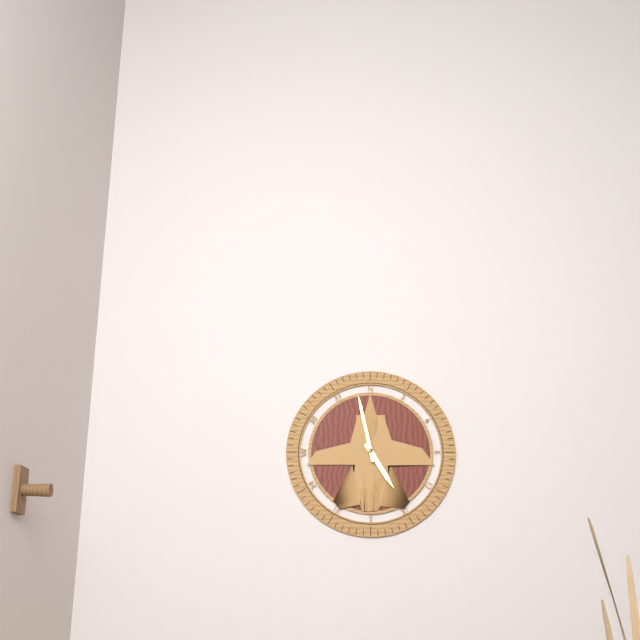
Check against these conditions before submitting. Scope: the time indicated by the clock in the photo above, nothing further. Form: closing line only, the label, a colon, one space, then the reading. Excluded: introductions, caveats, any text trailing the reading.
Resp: 4:58
